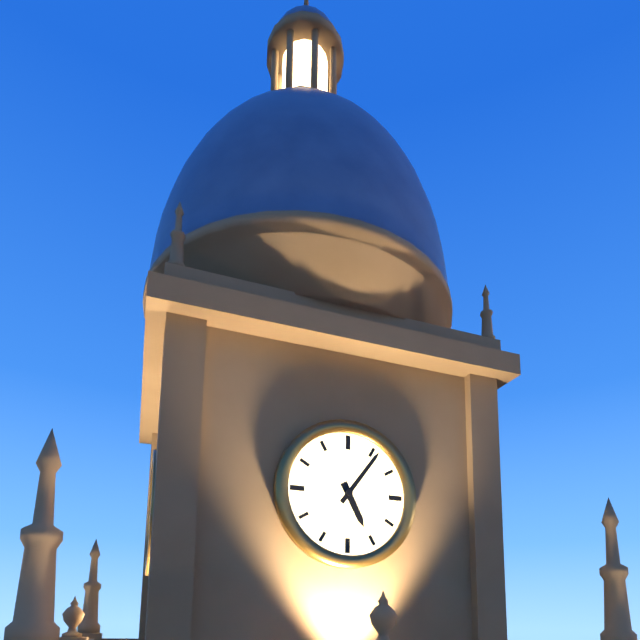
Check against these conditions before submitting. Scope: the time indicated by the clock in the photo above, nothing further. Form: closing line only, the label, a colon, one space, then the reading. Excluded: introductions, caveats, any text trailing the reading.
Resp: 5:06
